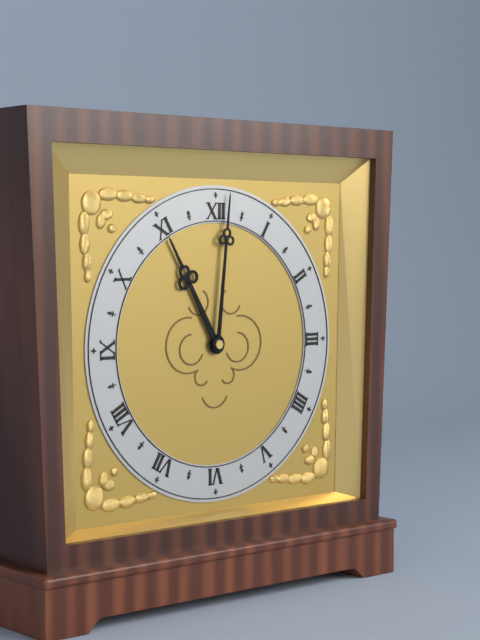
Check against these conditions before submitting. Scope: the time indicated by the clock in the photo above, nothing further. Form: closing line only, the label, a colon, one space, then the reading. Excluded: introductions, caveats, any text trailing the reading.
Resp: 11:01
